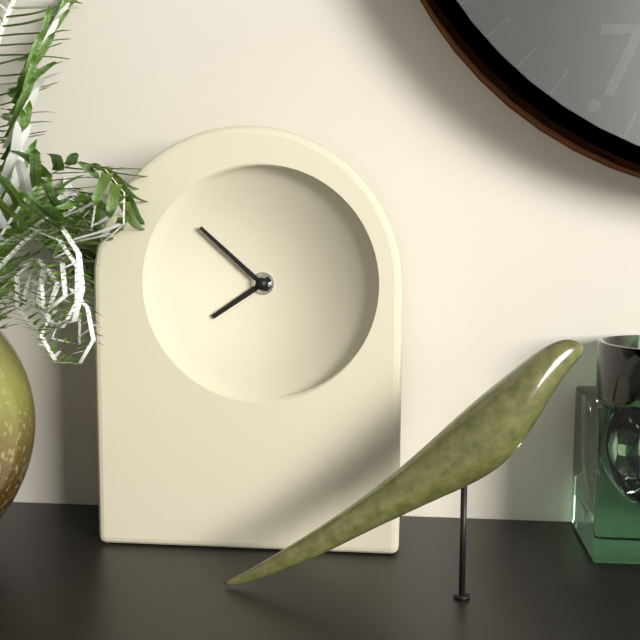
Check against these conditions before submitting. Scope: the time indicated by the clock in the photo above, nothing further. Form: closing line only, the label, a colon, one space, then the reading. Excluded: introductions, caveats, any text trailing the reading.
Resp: 7:52
